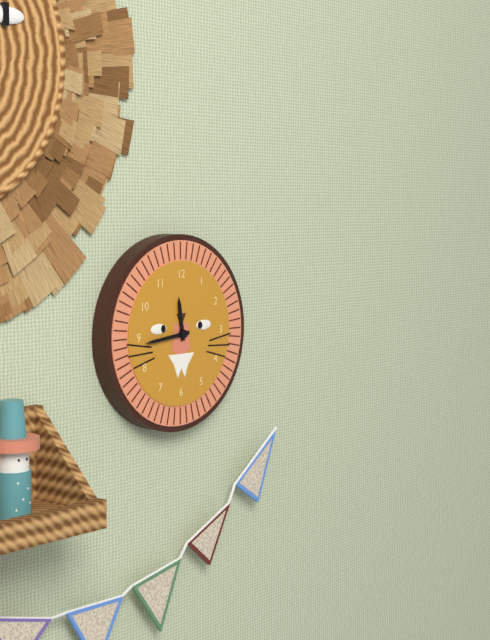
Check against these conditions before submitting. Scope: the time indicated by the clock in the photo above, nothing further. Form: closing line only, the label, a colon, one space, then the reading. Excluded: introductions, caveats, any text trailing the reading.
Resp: 11:44
